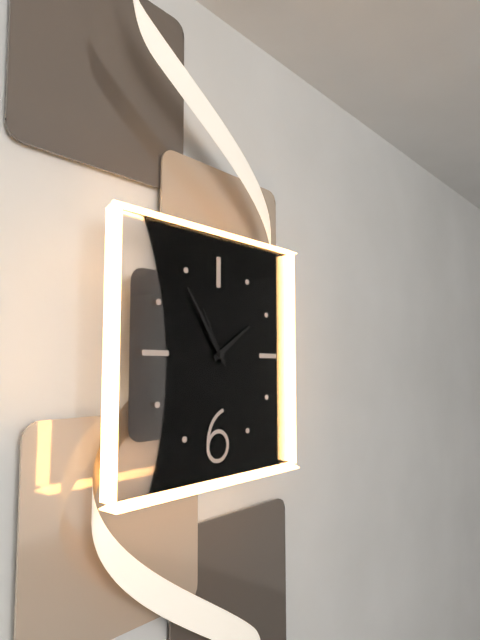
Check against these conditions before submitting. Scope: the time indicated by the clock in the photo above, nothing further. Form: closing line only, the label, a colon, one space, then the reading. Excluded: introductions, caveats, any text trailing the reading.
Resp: 1:54:55
